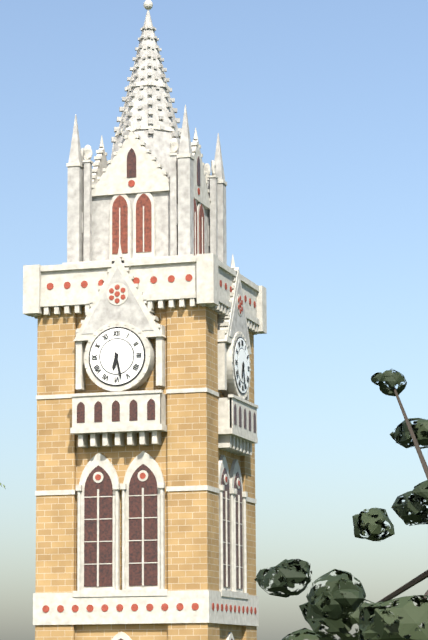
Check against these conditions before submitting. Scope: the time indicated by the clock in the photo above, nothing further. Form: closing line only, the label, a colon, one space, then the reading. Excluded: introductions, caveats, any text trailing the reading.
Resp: 6:28
